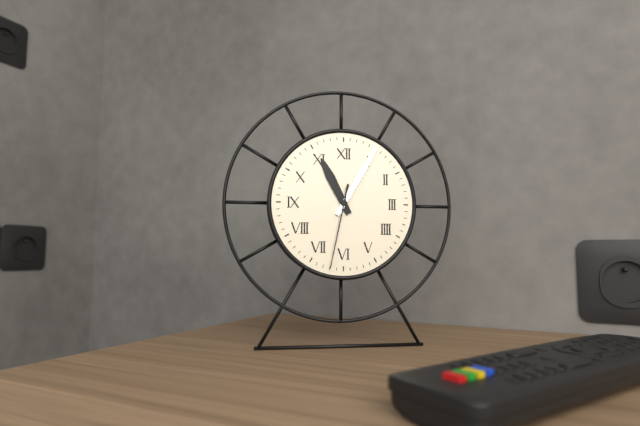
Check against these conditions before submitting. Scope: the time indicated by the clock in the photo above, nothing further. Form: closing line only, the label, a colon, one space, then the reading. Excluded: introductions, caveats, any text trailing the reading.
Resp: 11:05:32
